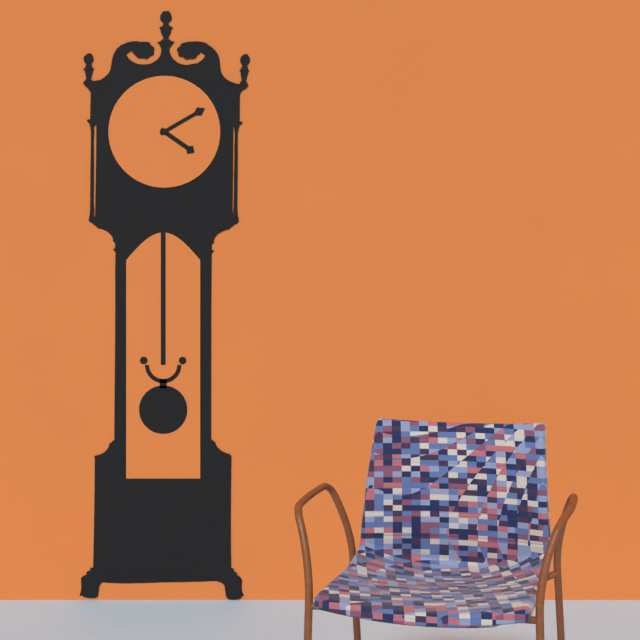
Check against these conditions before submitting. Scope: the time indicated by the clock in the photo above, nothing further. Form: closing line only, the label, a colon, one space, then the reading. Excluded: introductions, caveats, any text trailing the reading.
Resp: 4:10
